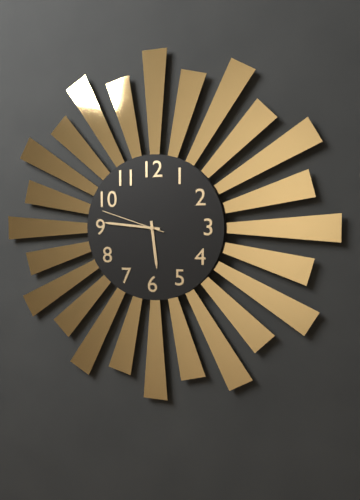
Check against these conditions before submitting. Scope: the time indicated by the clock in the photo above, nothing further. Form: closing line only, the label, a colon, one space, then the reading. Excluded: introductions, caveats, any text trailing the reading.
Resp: 5:46:48
